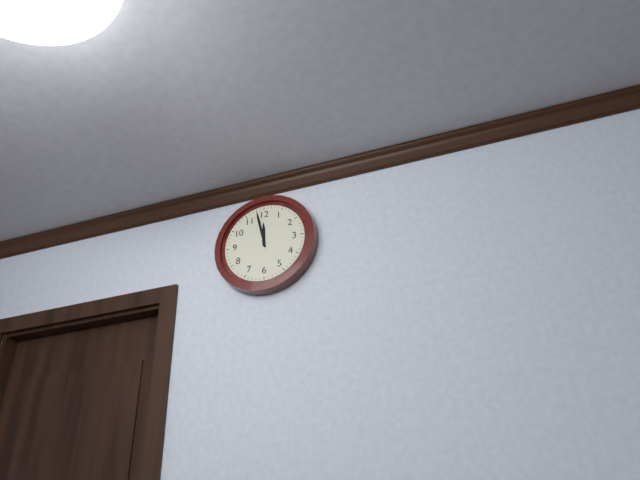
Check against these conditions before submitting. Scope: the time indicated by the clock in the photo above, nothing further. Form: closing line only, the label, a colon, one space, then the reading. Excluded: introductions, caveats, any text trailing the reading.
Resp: 11:58
